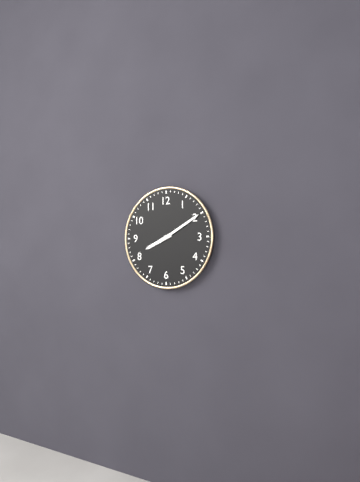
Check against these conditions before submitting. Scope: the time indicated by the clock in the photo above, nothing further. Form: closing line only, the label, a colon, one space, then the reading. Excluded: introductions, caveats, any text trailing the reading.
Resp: 8:10
